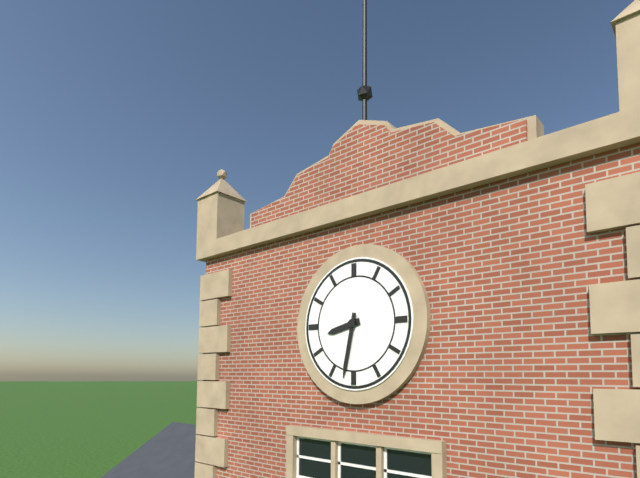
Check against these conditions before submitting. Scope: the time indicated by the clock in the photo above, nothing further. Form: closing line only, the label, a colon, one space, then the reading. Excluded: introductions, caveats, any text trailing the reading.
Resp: 8:32
